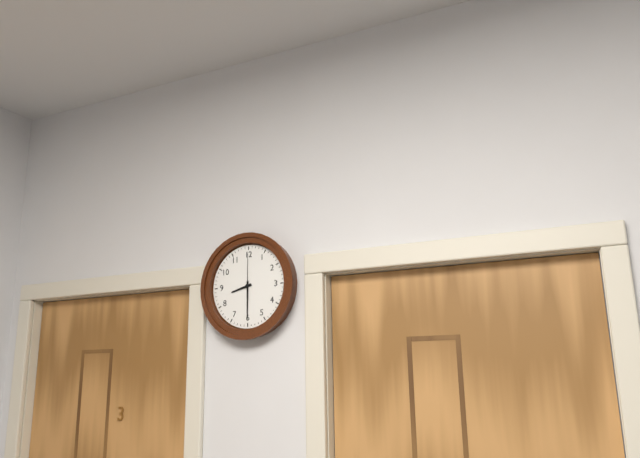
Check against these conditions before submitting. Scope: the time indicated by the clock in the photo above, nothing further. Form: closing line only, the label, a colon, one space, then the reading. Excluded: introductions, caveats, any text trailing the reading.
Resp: 8:30
